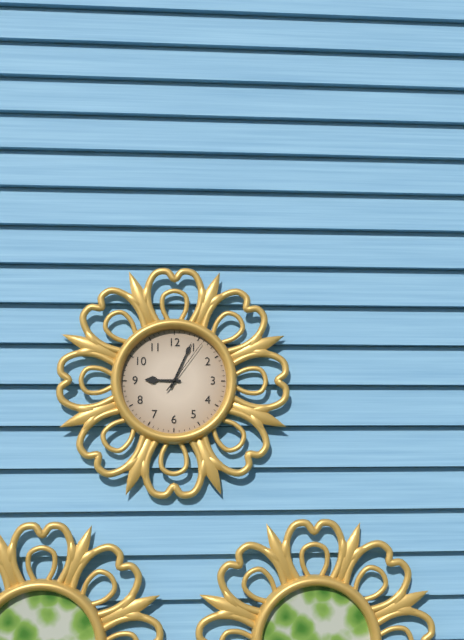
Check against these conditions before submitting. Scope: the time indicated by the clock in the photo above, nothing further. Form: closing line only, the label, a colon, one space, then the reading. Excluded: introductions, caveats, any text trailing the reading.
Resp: 9:04:06
